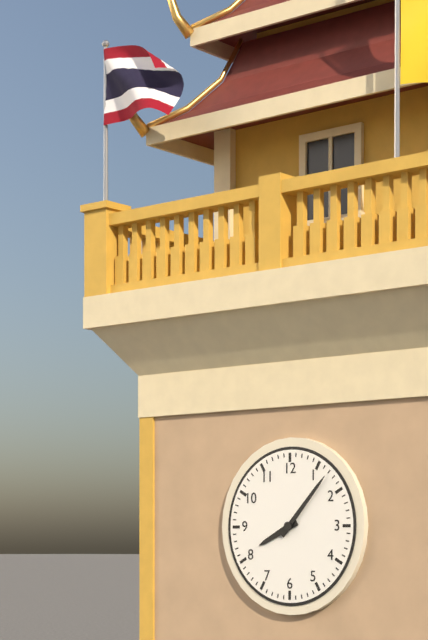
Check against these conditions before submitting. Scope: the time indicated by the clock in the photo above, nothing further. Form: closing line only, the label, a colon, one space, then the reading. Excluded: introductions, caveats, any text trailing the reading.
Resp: 8:07
